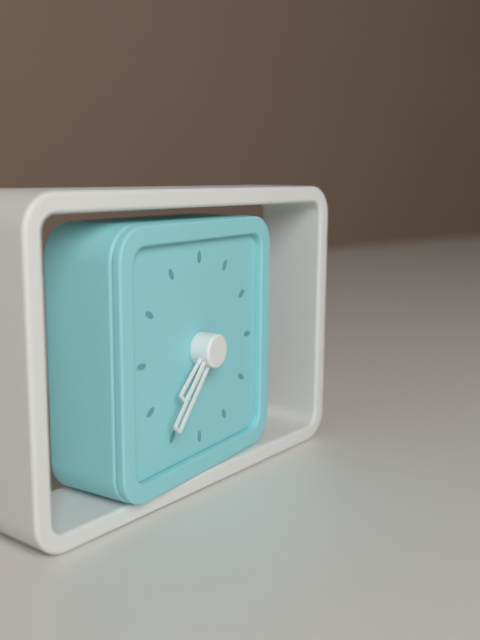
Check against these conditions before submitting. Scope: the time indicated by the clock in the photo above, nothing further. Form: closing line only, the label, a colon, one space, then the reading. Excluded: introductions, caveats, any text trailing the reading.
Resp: 7:37
